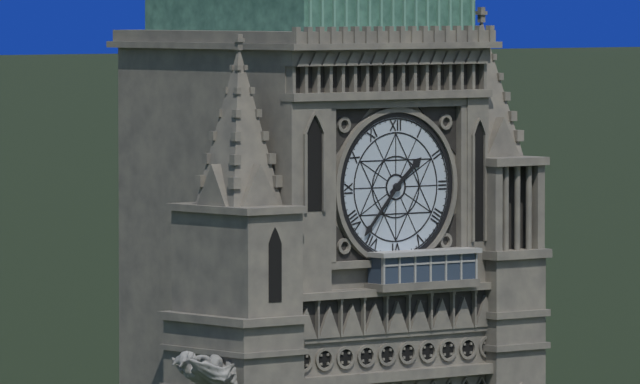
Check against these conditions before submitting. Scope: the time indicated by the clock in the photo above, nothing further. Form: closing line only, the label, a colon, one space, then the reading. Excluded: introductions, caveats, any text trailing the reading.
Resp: 1:37
